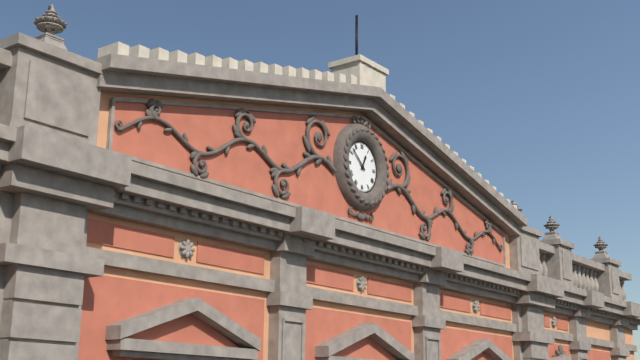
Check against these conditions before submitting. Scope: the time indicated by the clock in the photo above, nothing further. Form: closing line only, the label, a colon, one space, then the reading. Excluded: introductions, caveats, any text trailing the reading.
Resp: 12:52
